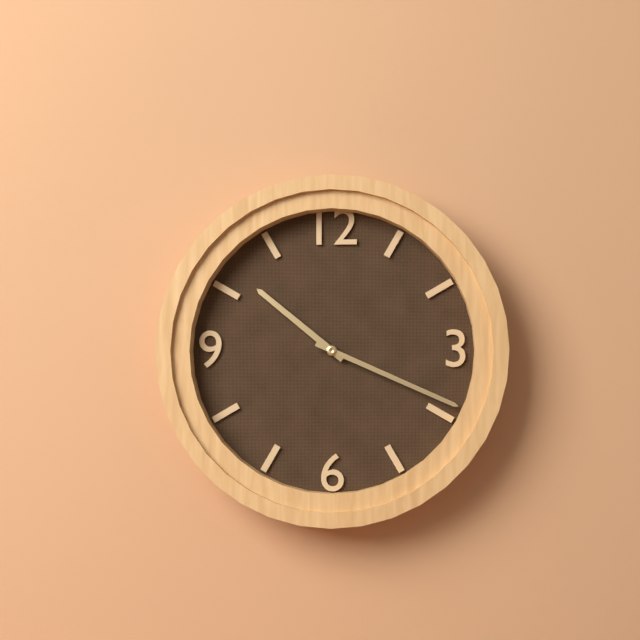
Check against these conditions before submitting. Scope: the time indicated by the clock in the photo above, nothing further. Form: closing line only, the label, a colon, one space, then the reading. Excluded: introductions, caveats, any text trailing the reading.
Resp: 10:19
